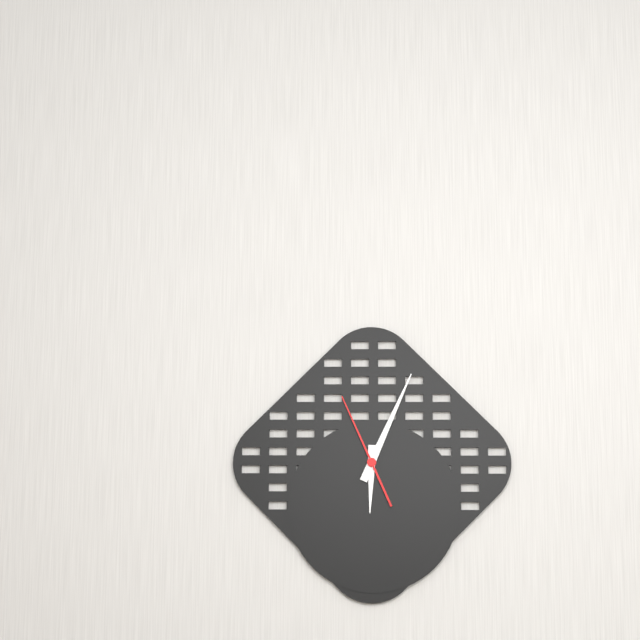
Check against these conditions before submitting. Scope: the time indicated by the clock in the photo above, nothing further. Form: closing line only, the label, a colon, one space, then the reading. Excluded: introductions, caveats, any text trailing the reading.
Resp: 6:04:56
